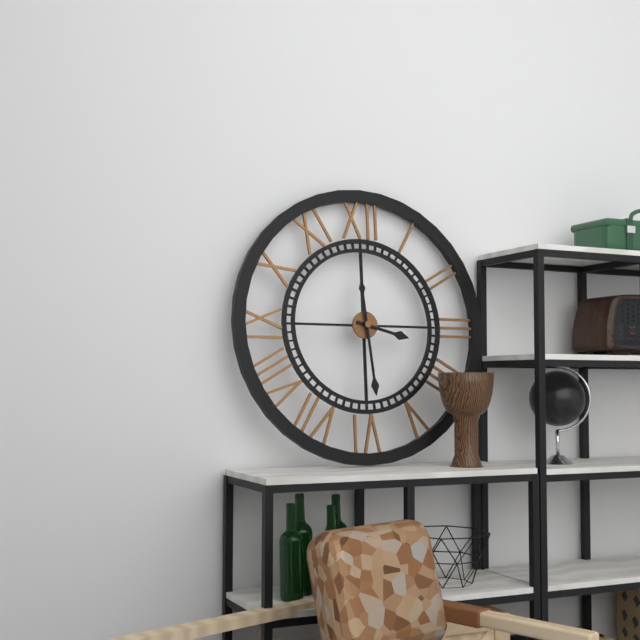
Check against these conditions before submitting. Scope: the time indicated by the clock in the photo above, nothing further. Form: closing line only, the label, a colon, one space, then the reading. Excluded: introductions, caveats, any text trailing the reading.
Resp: 3:29
